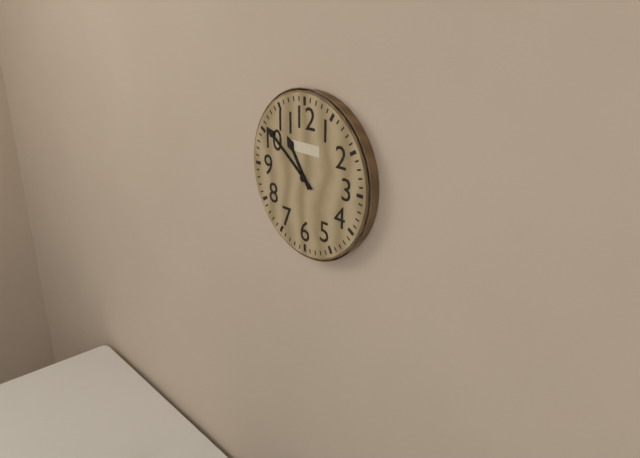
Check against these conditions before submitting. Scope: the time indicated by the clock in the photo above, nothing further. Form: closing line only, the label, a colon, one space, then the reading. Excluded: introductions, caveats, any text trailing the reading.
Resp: 10:51
